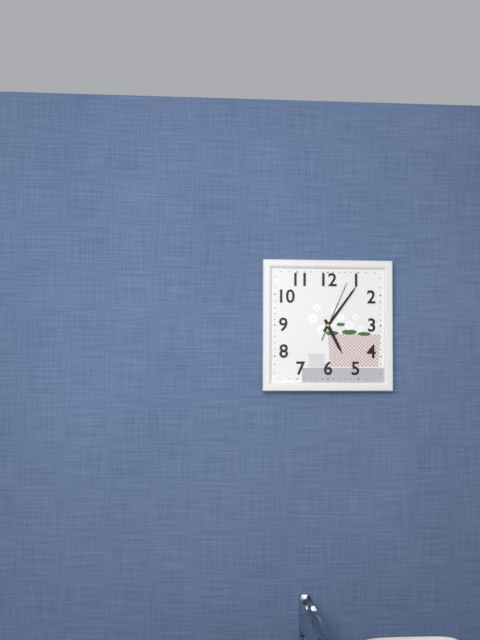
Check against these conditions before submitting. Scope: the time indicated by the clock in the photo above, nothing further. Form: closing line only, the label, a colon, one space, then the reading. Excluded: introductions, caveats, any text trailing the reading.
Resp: 5:06:04
